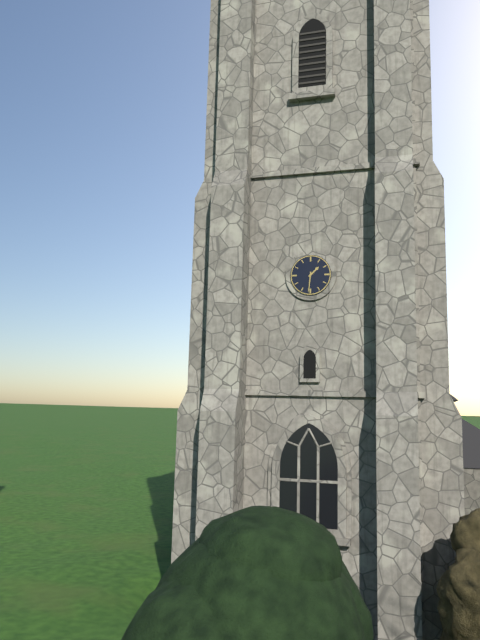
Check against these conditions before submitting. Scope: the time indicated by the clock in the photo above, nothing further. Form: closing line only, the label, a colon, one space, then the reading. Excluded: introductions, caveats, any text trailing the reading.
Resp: 1:31
